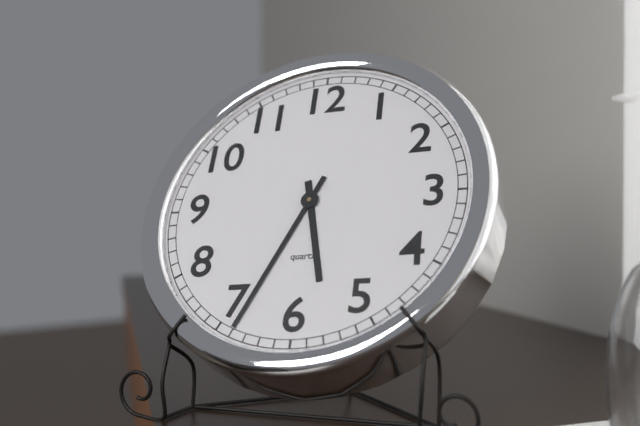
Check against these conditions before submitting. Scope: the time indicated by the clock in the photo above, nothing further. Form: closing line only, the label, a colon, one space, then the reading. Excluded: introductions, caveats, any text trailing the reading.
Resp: 5:34
